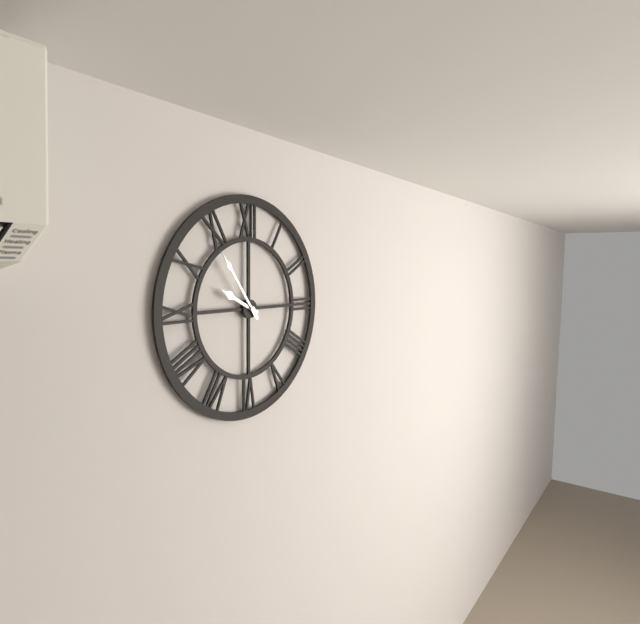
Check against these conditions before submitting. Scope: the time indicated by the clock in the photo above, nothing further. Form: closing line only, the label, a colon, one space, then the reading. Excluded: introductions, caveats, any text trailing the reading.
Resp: 9:54
